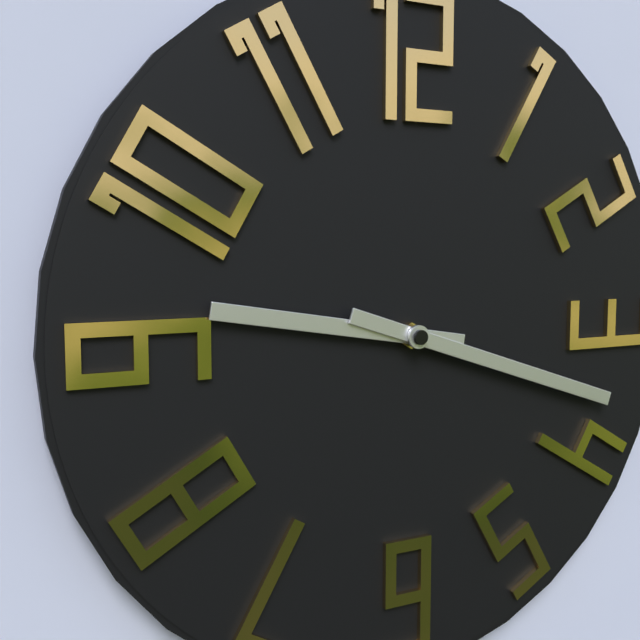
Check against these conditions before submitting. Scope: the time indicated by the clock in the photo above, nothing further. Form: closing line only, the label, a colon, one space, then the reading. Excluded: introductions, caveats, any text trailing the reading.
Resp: 9:18
